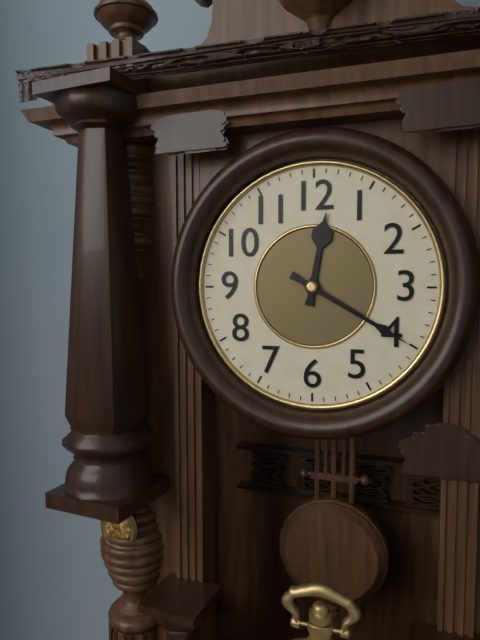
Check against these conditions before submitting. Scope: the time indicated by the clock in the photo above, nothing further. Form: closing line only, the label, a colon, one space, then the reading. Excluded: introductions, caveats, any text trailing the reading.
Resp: 12:20
